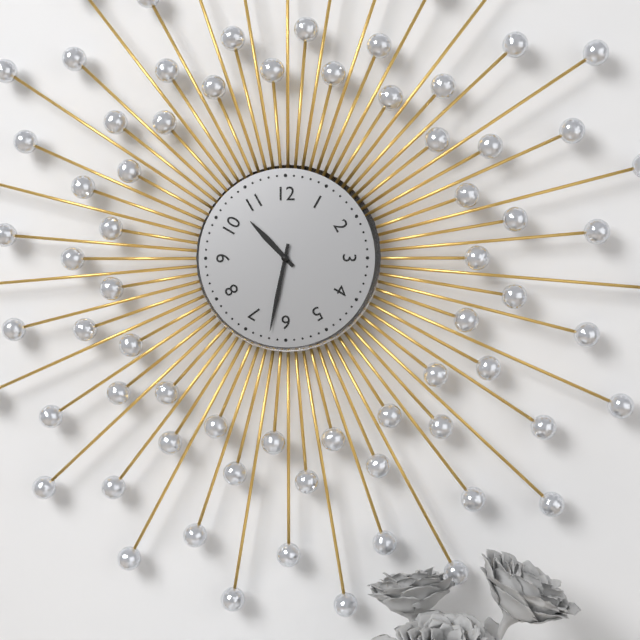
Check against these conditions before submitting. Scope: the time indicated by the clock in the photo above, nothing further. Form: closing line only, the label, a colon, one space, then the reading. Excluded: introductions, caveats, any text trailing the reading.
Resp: 10:32
